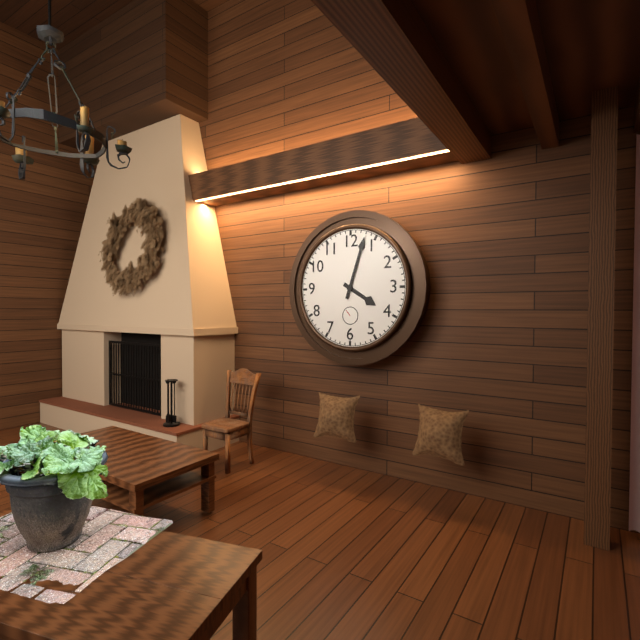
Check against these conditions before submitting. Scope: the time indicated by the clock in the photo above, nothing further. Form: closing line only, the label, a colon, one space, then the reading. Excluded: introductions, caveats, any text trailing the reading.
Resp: 4:03
